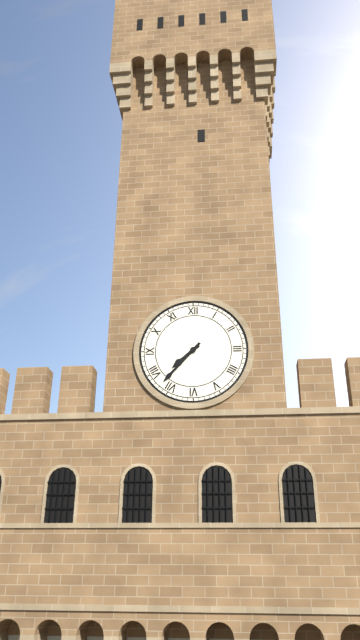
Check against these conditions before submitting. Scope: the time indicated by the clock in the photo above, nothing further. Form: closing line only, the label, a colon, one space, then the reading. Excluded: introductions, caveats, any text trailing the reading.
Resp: 7:37
